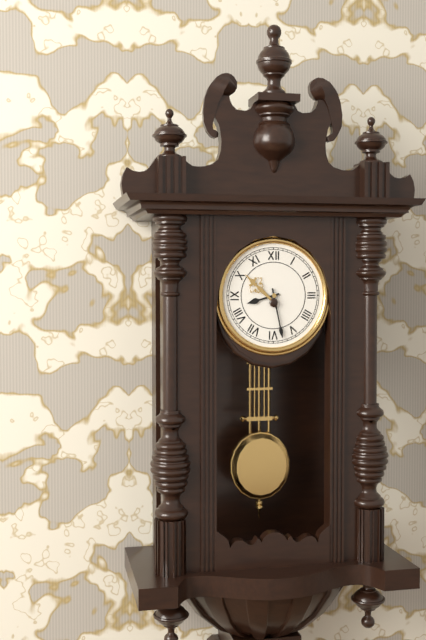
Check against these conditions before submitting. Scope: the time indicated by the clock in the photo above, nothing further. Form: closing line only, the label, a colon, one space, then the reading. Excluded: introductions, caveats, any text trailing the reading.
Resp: 8:28
